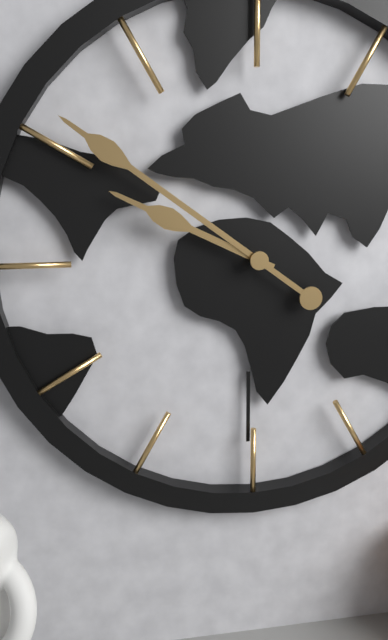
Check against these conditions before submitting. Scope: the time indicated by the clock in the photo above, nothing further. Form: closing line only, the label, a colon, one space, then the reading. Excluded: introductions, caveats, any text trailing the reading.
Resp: 9:51
